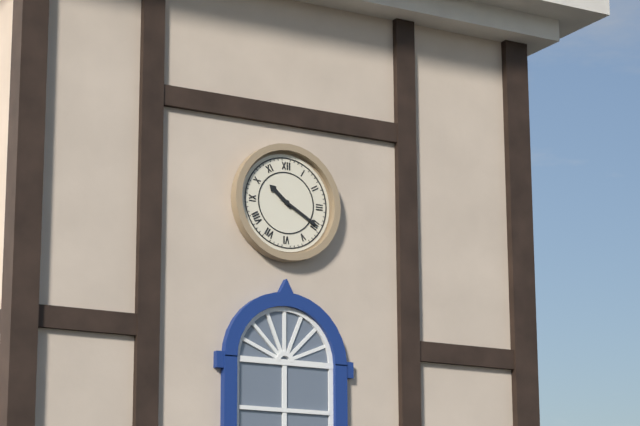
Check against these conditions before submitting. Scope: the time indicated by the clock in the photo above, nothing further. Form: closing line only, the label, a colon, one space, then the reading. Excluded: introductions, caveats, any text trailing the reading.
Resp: 10:20
